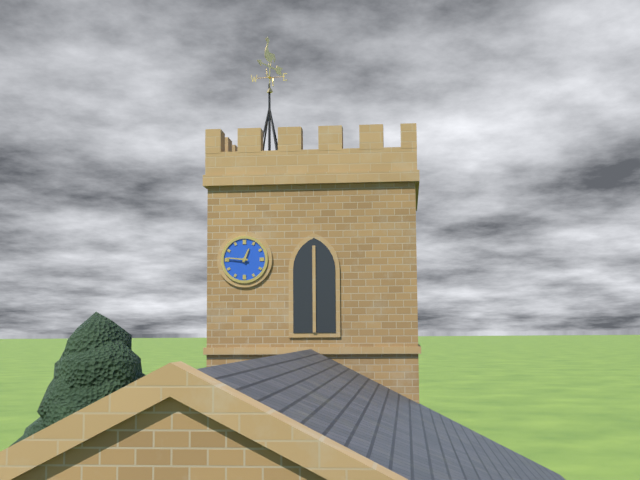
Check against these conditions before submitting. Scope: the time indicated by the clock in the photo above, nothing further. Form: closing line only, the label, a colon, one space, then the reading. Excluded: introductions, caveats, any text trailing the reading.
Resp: 12:46
